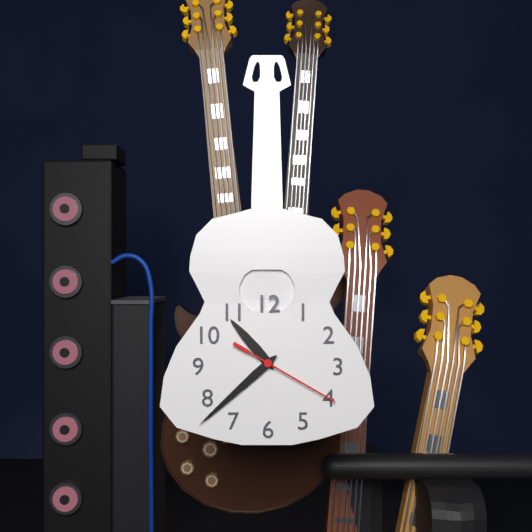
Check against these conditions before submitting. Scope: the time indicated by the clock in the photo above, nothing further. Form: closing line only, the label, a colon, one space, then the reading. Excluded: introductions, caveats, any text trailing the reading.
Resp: 10:38:20
